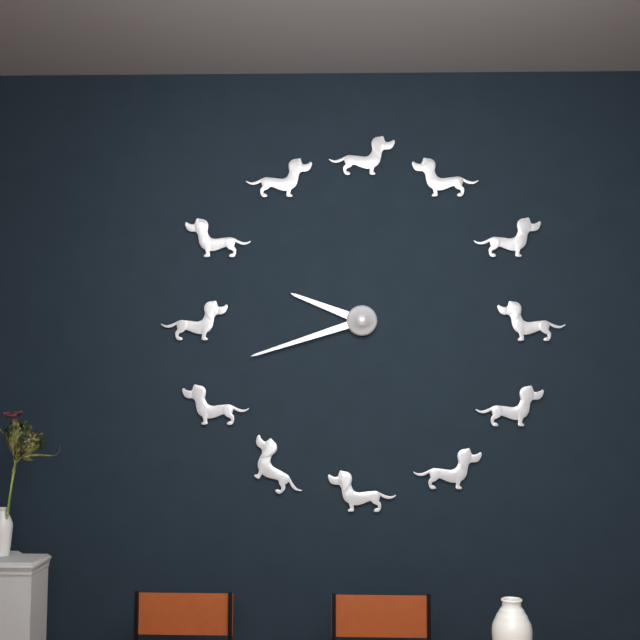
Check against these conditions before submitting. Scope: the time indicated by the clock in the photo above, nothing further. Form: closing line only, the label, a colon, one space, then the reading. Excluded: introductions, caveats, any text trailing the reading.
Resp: 9:42
